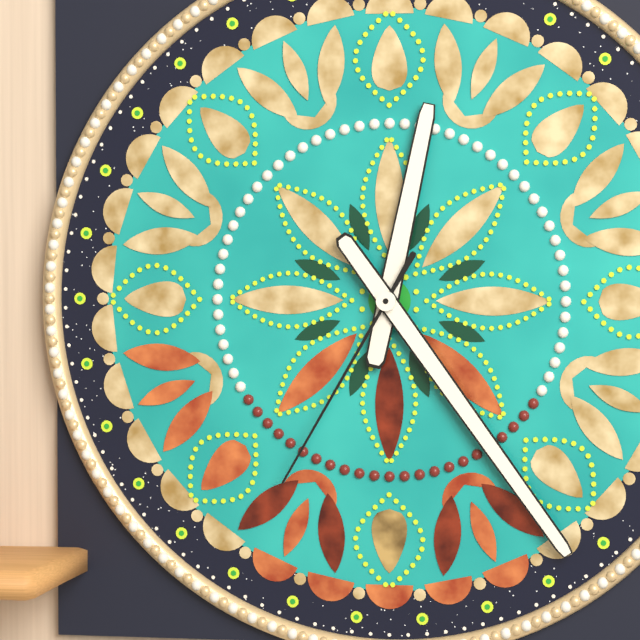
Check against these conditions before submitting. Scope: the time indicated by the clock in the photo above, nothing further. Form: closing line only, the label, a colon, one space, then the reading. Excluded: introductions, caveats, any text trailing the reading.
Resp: 12:24:35
